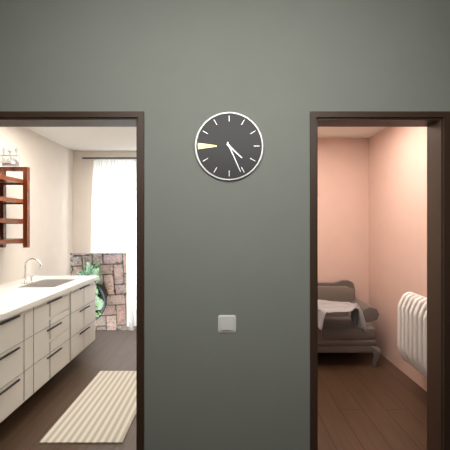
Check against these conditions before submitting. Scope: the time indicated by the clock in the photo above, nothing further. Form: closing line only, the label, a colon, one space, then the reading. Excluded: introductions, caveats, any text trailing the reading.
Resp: 4:26
